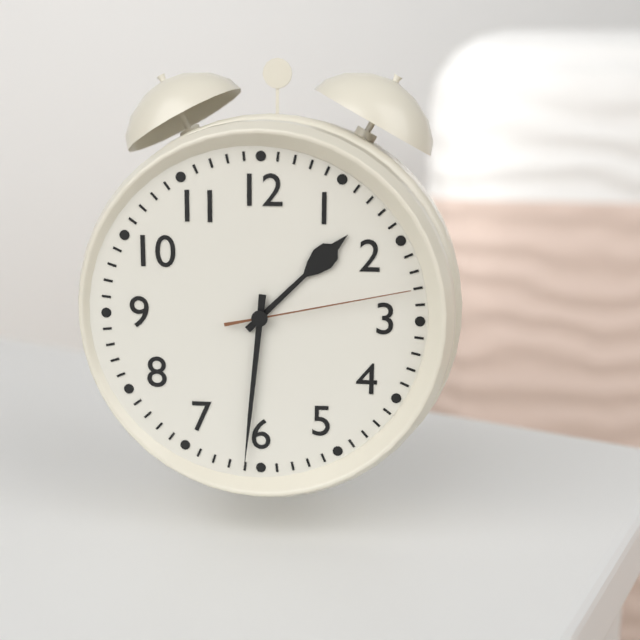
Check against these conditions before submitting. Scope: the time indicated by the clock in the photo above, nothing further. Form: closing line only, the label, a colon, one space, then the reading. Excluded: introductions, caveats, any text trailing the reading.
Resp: 1:31:13
